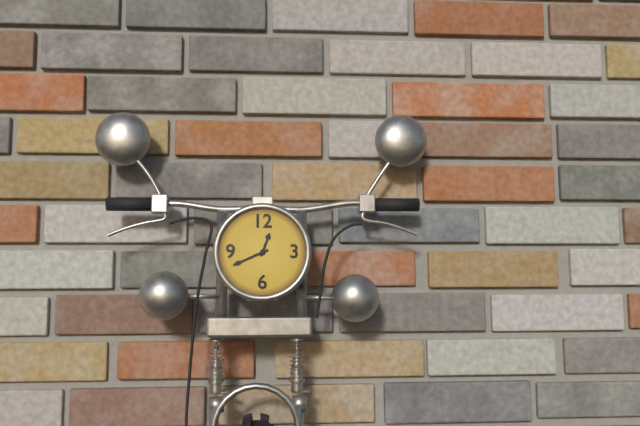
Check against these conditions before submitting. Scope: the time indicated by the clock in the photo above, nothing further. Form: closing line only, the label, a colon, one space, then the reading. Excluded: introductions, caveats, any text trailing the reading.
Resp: 12:41
